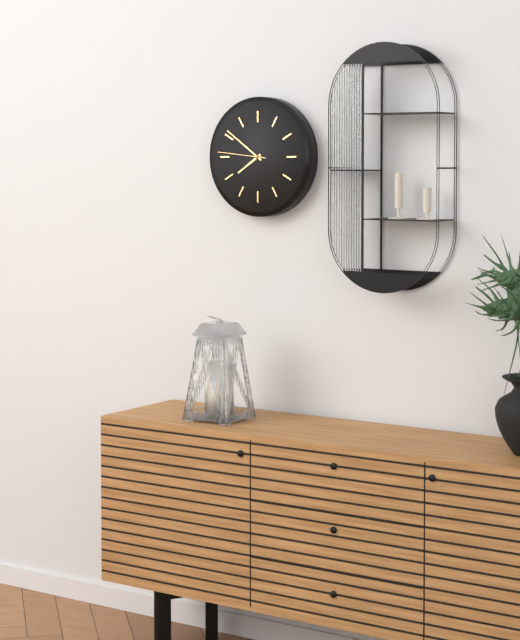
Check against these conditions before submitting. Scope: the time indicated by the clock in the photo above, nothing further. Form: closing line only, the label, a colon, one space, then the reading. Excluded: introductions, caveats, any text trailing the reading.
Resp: 7:51
